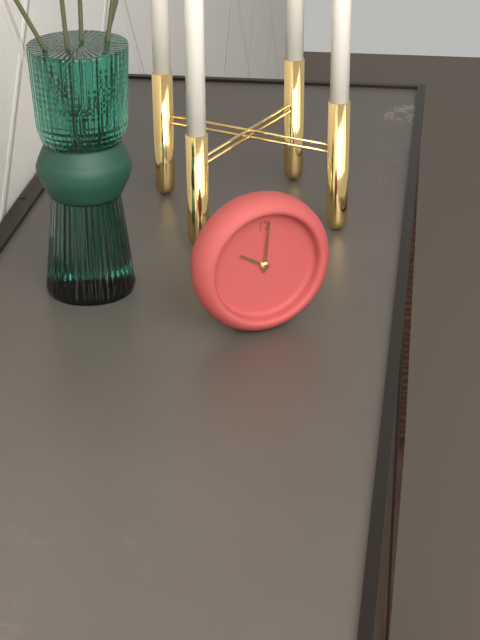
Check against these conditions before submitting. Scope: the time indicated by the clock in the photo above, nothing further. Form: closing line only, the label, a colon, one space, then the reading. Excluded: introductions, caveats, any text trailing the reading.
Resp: 10:01
